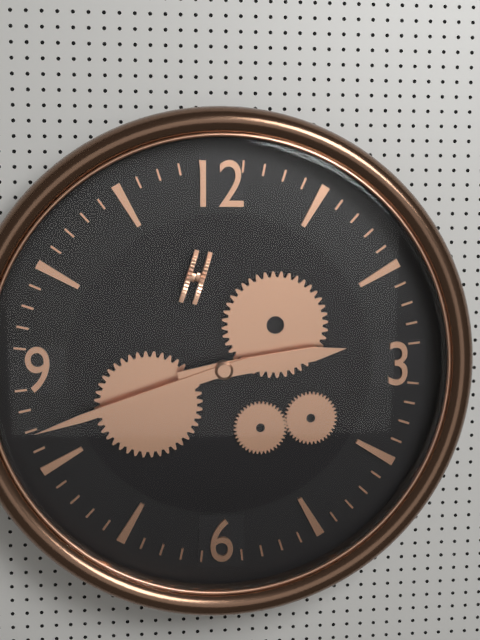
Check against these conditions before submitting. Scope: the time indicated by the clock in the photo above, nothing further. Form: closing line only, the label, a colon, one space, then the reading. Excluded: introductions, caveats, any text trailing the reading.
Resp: 2:42
